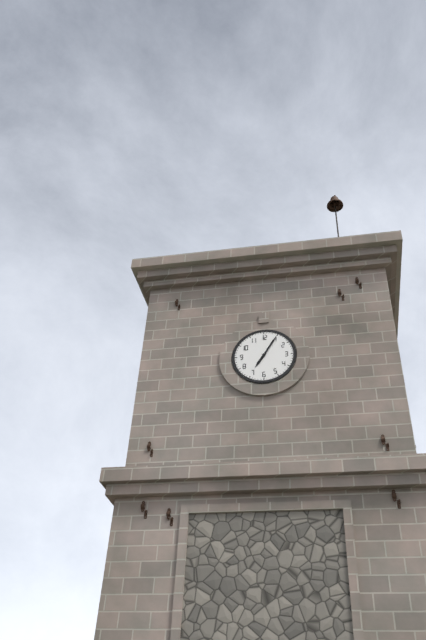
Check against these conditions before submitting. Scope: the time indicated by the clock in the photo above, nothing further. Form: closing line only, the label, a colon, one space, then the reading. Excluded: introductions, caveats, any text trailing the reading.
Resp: 7:05
